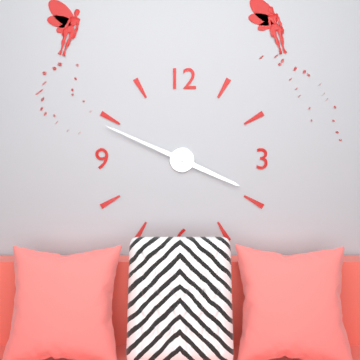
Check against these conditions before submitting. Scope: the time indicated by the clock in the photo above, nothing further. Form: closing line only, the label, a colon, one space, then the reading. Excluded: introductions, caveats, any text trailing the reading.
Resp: 3:49
